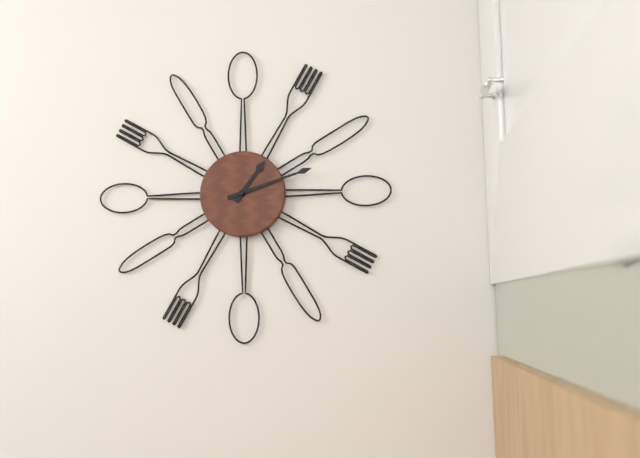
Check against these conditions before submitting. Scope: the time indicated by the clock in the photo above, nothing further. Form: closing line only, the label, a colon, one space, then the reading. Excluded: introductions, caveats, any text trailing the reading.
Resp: 1:12
